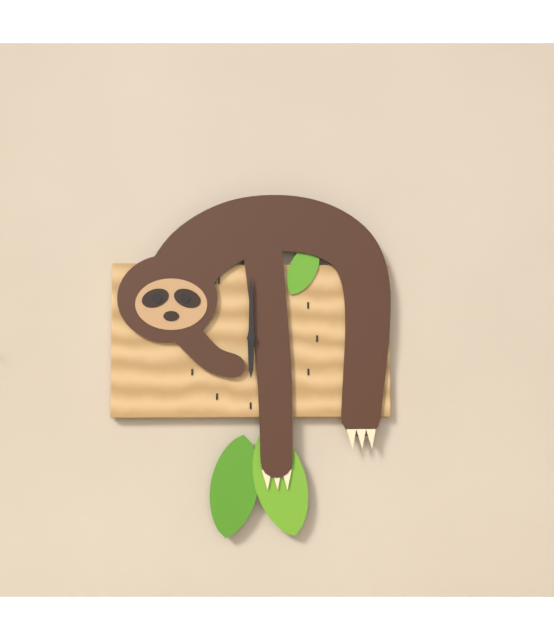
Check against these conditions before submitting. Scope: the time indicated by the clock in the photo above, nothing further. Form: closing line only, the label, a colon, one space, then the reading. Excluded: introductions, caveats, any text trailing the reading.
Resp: 6:00
